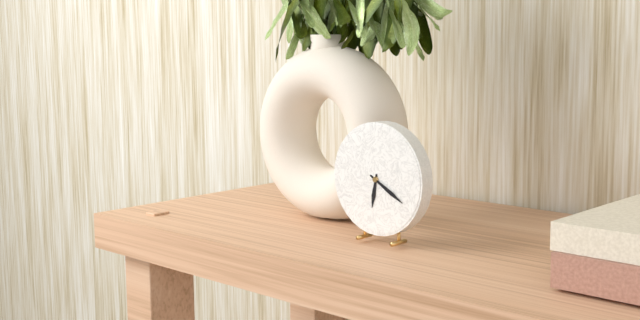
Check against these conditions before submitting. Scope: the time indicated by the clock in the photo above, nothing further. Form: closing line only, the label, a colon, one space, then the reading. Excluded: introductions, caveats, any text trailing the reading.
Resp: 6:20
